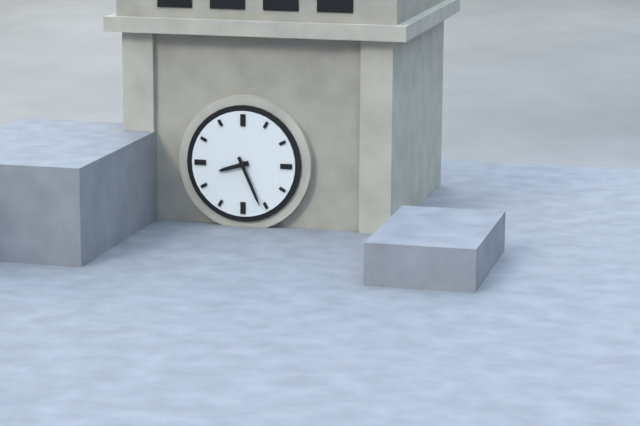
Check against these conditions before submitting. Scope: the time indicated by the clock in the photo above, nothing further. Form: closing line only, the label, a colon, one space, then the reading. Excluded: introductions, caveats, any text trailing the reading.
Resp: 8:26
